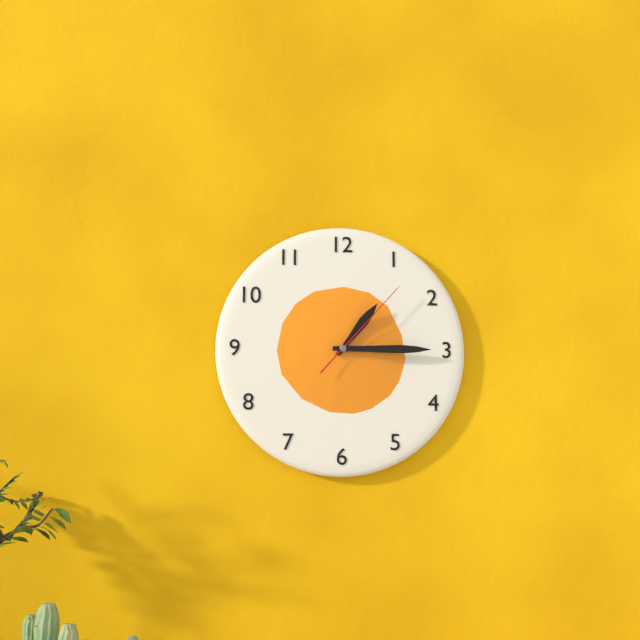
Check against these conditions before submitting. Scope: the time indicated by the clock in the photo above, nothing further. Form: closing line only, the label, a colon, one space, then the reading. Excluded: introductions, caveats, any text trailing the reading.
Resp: 1:15:07
